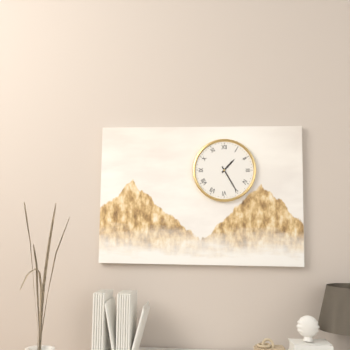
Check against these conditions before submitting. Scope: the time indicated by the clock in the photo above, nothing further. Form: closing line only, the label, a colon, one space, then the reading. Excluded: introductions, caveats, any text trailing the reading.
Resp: 1:25
